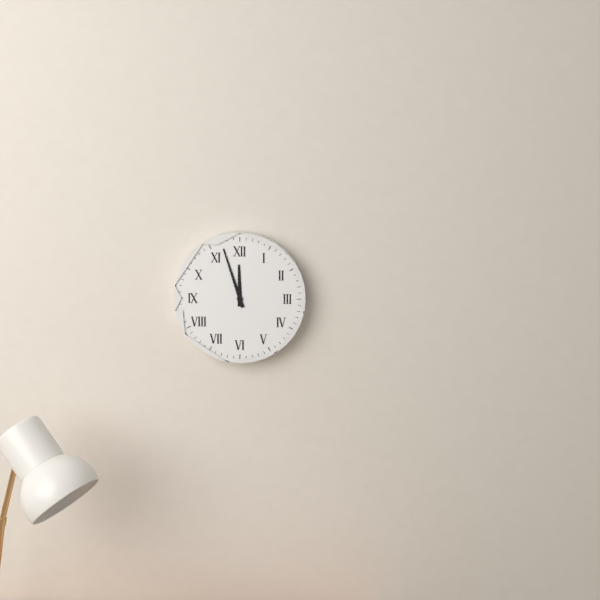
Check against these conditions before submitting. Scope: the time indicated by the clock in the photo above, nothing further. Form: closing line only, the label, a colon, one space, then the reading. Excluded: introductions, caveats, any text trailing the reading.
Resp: 11:57
